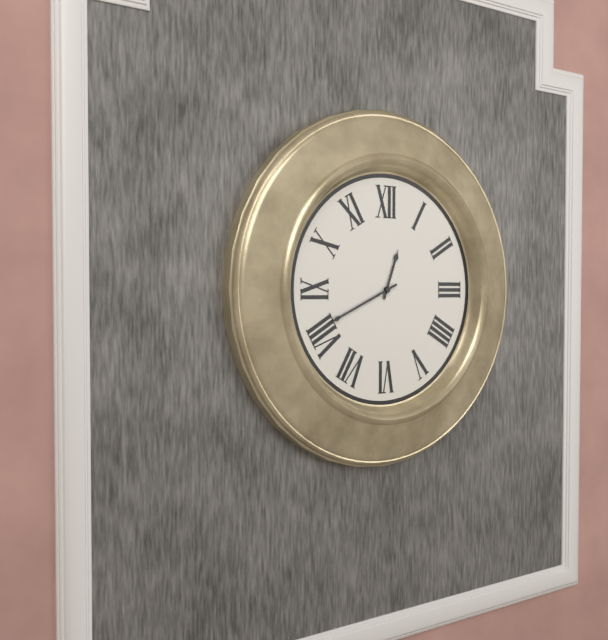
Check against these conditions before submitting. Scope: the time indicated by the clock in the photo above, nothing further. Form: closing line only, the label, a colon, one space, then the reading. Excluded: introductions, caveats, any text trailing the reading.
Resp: 12:41
